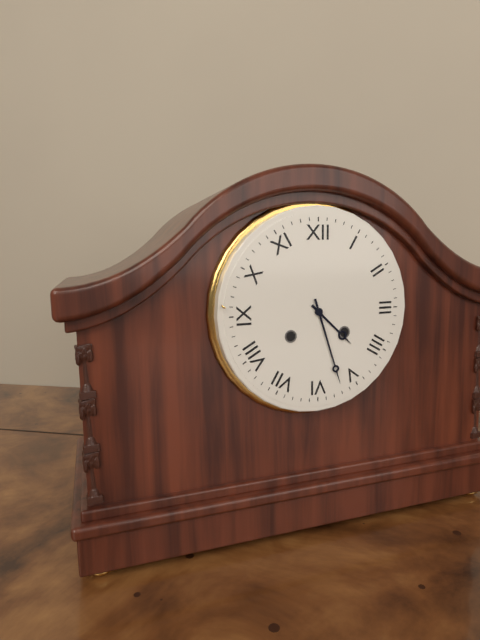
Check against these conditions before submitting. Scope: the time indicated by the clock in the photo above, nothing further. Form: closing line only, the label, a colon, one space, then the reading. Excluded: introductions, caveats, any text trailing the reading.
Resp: 4:27
